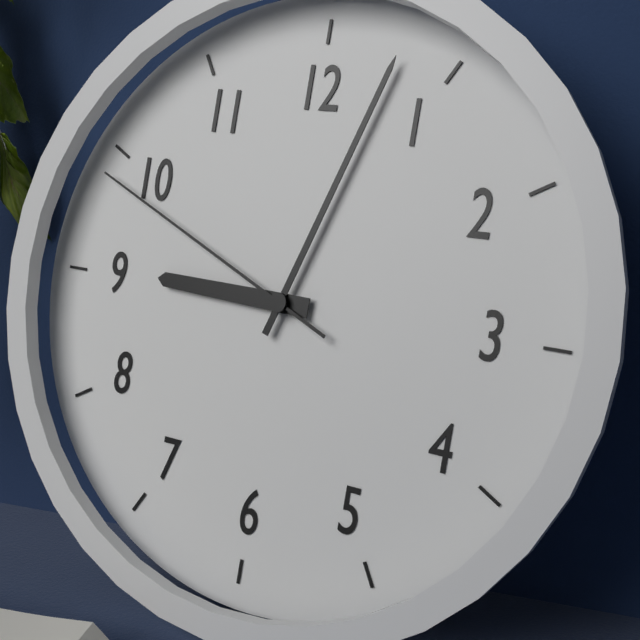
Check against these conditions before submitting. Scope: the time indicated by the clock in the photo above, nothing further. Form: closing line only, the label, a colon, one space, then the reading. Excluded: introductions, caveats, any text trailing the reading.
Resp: 9:03:49
